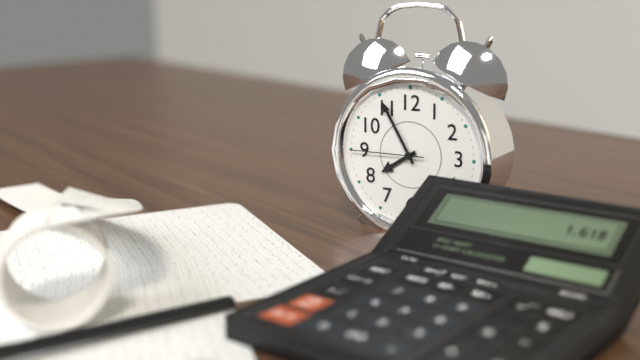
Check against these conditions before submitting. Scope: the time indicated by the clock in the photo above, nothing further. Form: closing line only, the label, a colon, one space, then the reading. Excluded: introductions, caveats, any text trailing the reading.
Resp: 7:55:45
